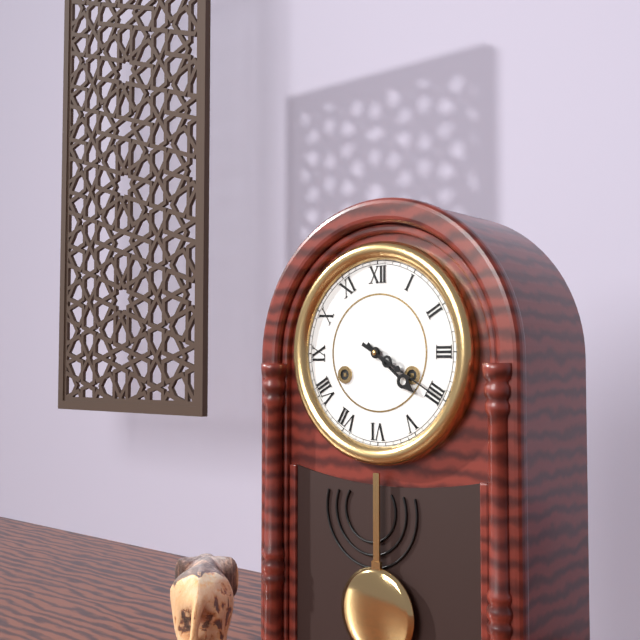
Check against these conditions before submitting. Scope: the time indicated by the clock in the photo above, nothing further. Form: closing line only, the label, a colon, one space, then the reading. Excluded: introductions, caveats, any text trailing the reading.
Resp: 4:20
